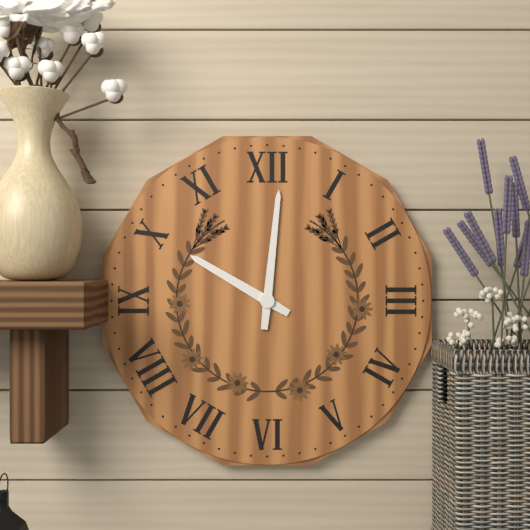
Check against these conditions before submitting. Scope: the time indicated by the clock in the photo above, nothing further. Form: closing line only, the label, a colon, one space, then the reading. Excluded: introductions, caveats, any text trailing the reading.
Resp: 10:01
